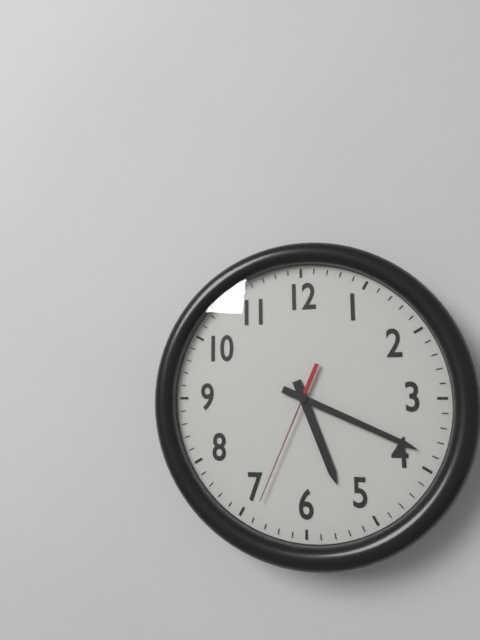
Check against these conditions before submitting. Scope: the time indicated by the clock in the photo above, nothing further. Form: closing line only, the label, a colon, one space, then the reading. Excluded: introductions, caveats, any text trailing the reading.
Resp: 5:19:34
